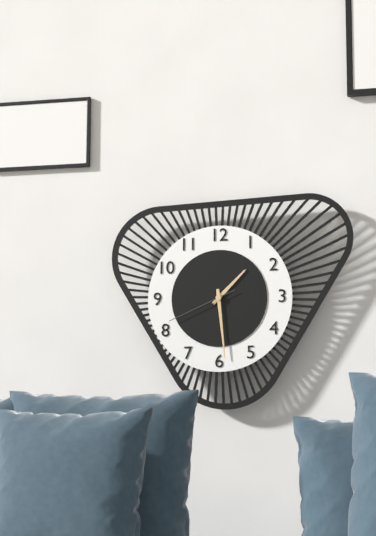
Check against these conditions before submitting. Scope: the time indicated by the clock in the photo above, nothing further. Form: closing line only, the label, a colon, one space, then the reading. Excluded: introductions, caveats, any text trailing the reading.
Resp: 1:29:41
